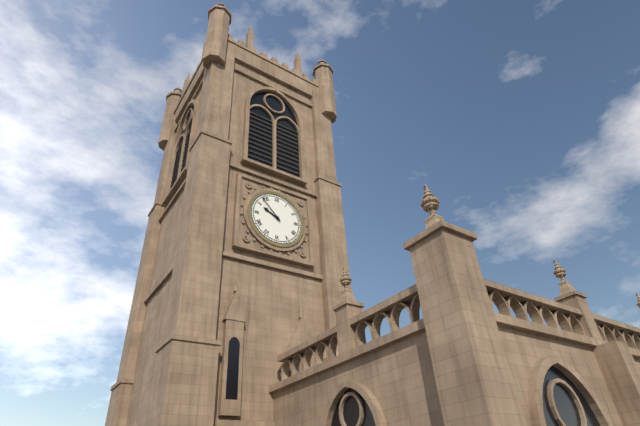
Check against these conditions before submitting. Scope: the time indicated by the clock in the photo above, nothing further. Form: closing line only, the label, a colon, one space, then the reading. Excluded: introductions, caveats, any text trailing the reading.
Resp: 9:53
